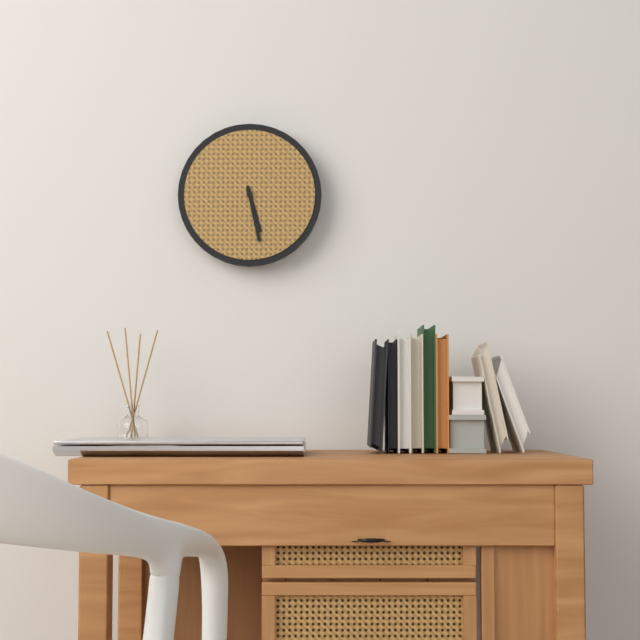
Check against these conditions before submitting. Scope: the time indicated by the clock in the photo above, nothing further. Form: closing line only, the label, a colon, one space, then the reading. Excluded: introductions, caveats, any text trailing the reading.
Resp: 5:28
